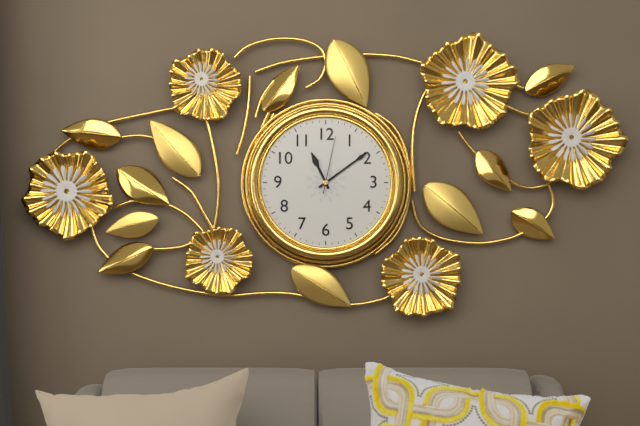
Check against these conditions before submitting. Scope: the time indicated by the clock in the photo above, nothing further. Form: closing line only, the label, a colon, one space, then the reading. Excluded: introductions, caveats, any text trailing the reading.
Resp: 11:09:02
